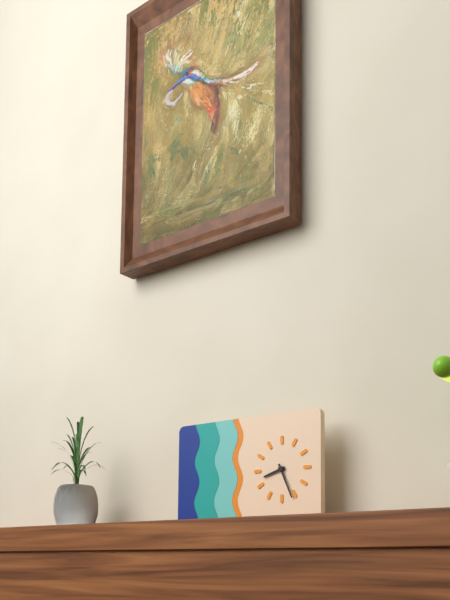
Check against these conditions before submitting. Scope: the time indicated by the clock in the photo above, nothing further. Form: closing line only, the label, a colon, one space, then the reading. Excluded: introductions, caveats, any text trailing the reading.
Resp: 8:26
